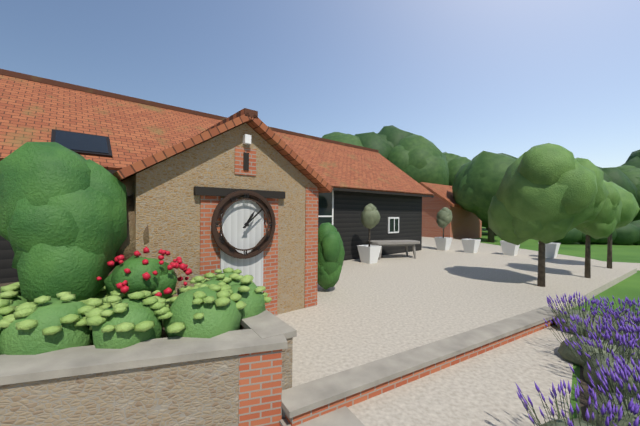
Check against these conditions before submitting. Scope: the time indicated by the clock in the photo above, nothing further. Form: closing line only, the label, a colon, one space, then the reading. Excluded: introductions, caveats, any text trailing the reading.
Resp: 1:08
